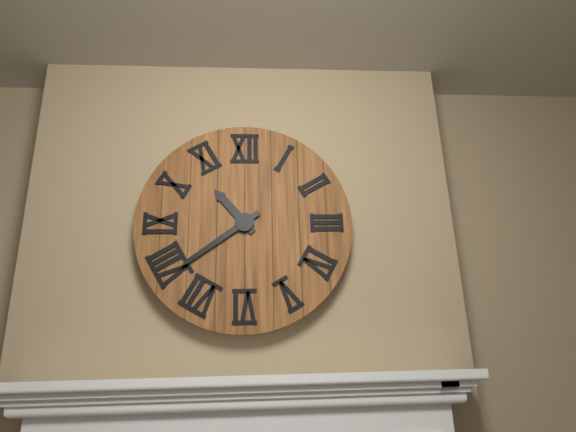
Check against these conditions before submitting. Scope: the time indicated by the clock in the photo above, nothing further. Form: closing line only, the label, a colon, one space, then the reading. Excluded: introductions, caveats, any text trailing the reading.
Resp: 10:39
